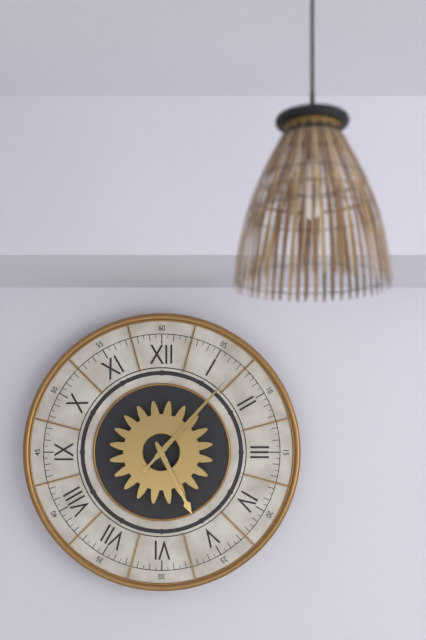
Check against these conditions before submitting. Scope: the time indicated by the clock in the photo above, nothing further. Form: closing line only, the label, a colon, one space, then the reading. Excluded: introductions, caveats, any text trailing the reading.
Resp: 5:07
